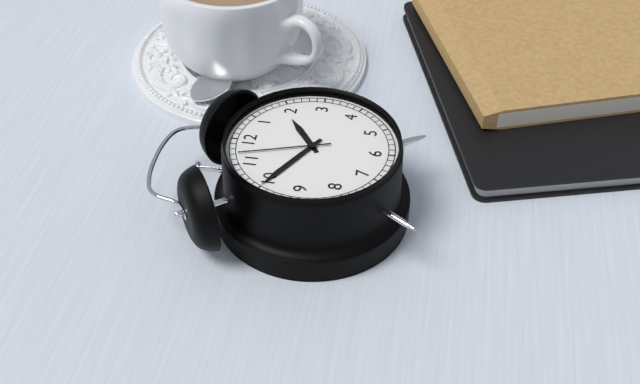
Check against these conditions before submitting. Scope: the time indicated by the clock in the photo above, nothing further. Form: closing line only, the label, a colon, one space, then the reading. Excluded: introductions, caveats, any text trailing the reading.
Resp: 1:50:57
